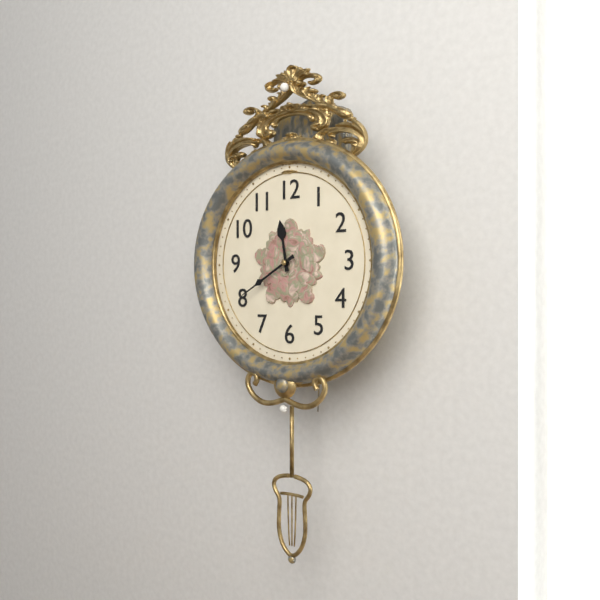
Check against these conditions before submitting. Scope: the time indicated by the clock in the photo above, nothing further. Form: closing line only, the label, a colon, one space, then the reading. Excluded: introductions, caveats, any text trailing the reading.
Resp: 11:40
